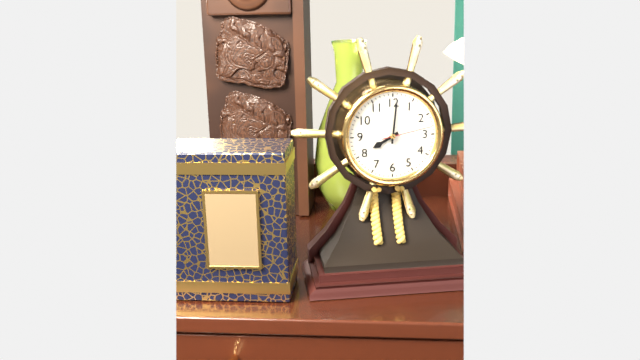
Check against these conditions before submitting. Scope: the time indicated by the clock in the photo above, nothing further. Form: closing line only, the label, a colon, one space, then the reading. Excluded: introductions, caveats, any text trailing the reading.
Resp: 8:01:13
